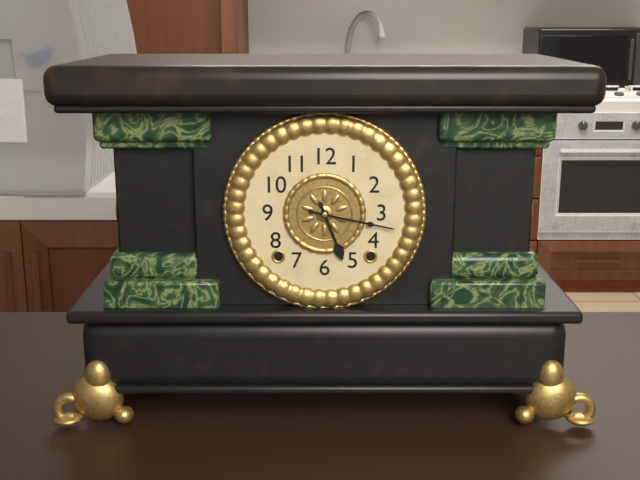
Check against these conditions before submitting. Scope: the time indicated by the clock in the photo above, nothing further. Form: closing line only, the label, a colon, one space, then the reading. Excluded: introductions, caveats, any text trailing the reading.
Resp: 5:17
